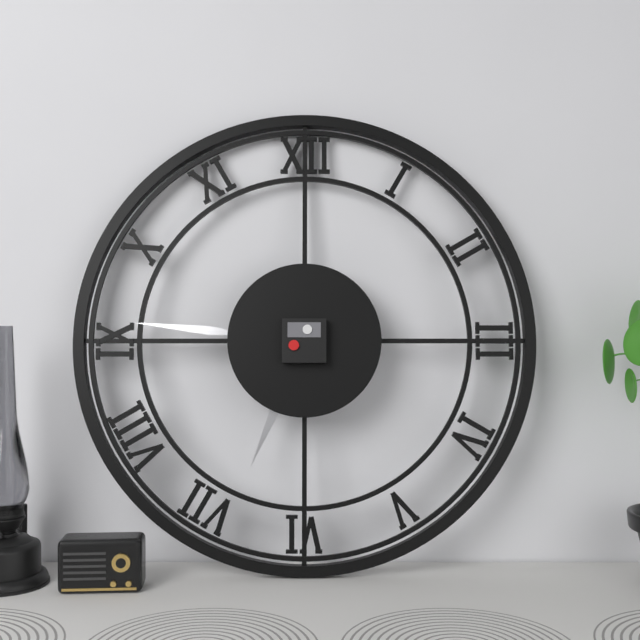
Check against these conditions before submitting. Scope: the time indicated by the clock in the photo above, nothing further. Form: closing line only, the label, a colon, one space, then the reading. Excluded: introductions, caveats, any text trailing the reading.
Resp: 6:46
